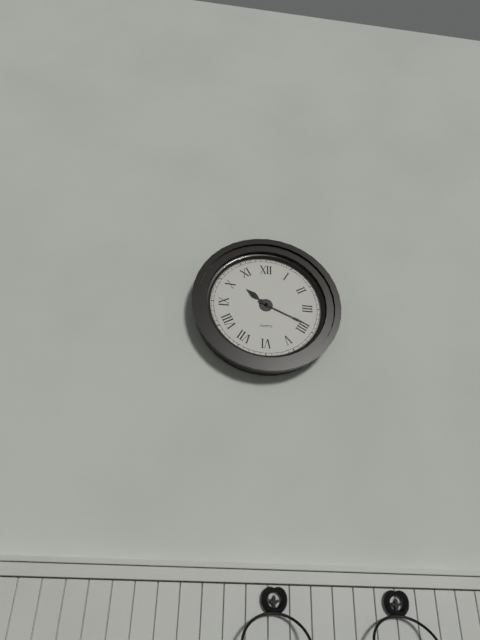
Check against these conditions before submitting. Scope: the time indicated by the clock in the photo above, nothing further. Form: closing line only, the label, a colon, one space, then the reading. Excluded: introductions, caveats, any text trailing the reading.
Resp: 10:19
